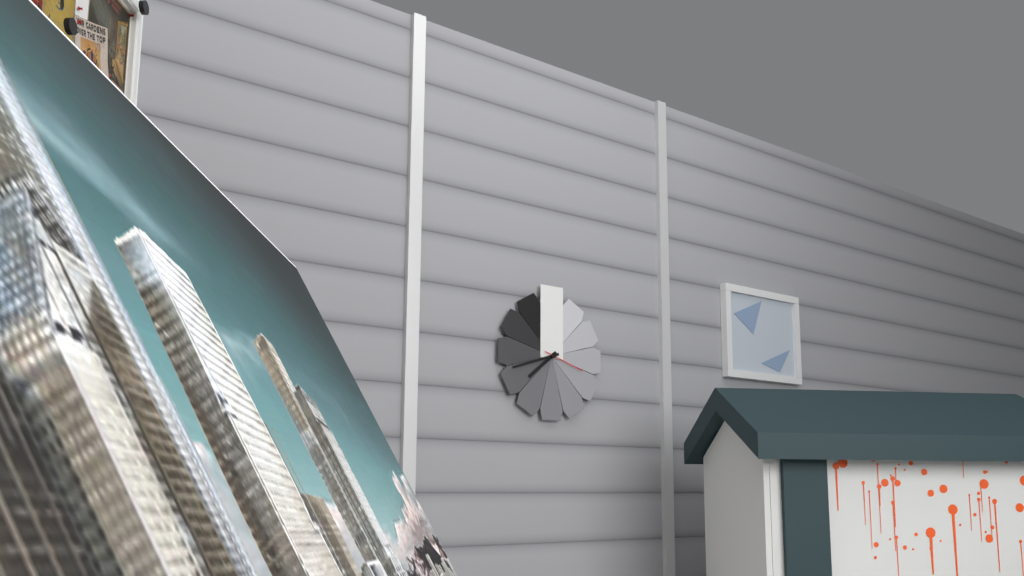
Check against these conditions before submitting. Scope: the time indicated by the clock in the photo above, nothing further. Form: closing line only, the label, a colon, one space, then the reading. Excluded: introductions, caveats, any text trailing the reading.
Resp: 7:42
